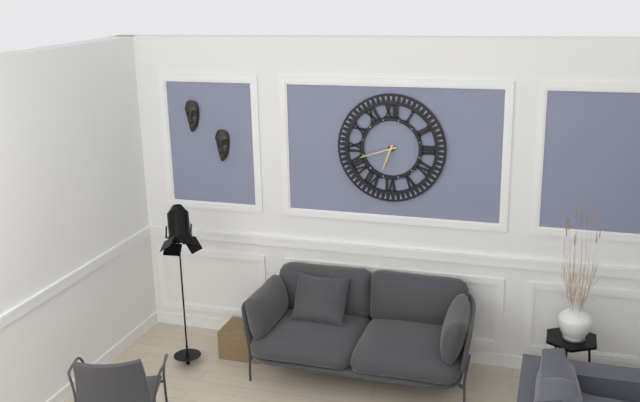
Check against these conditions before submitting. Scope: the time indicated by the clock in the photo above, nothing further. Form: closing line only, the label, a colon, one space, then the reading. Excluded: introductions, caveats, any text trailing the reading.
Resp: 6:42
